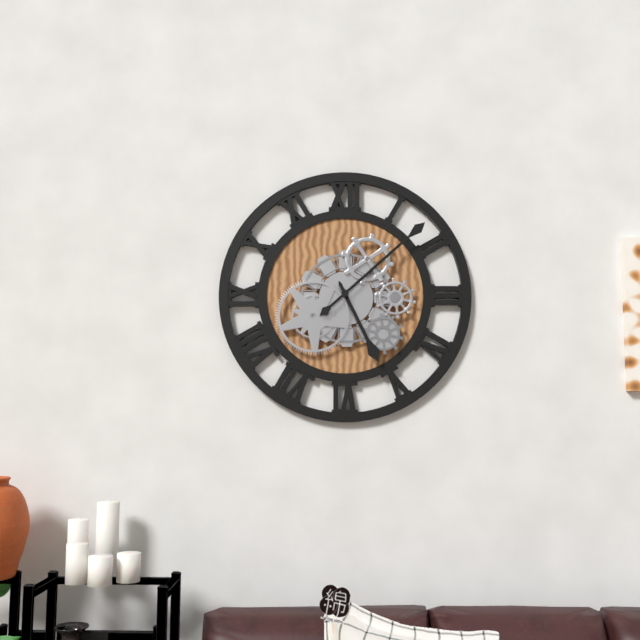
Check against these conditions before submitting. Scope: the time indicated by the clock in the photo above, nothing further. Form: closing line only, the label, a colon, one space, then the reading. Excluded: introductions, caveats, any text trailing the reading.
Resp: 5:08
